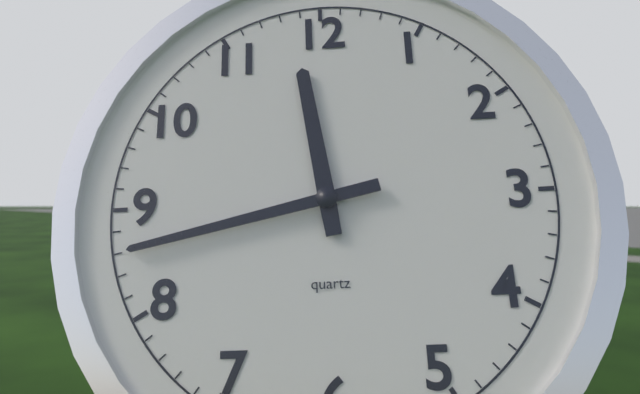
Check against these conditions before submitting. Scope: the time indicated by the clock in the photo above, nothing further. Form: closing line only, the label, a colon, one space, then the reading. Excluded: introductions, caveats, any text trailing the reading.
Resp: 11:43
